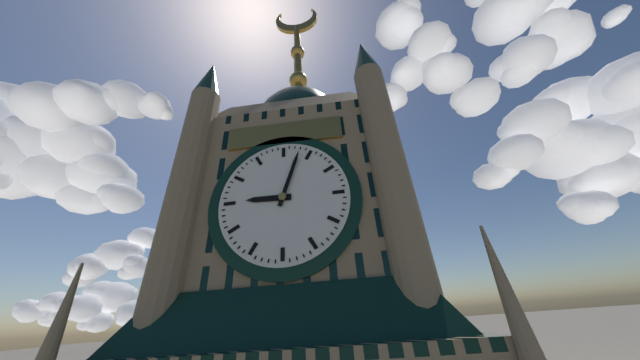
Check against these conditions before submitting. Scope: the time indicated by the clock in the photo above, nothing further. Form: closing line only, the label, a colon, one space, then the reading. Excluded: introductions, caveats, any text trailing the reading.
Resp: 9:03
